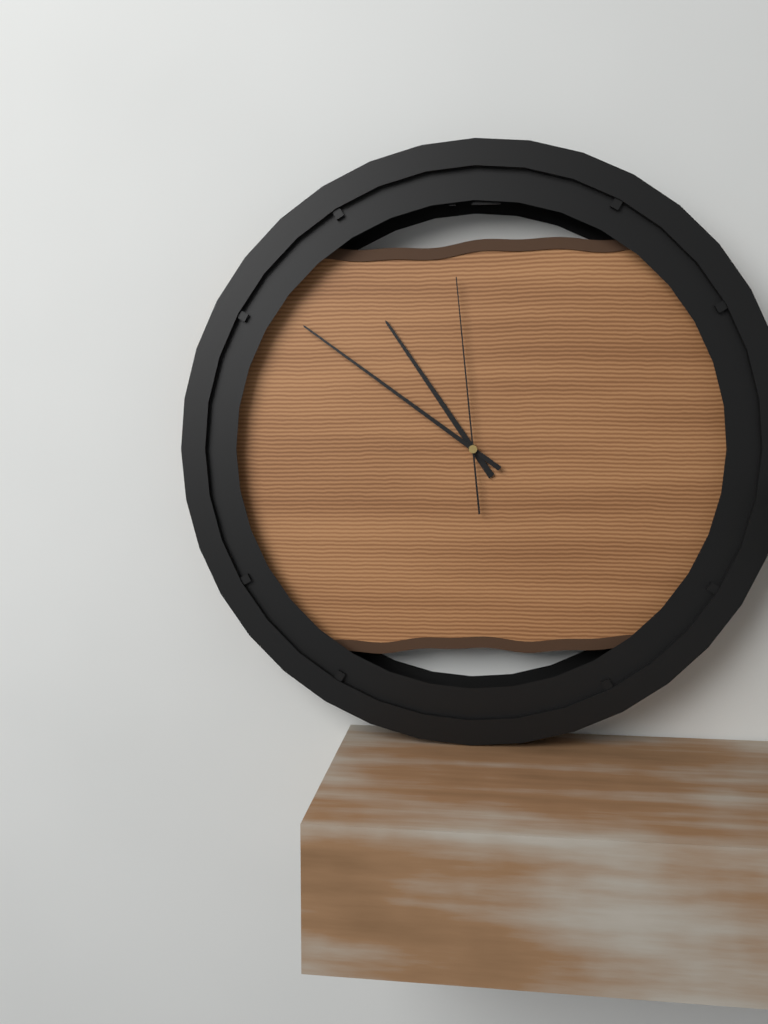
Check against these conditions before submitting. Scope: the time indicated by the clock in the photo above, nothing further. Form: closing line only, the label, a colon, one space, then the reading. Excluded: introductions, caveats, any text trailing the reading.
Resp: 10:51:59
